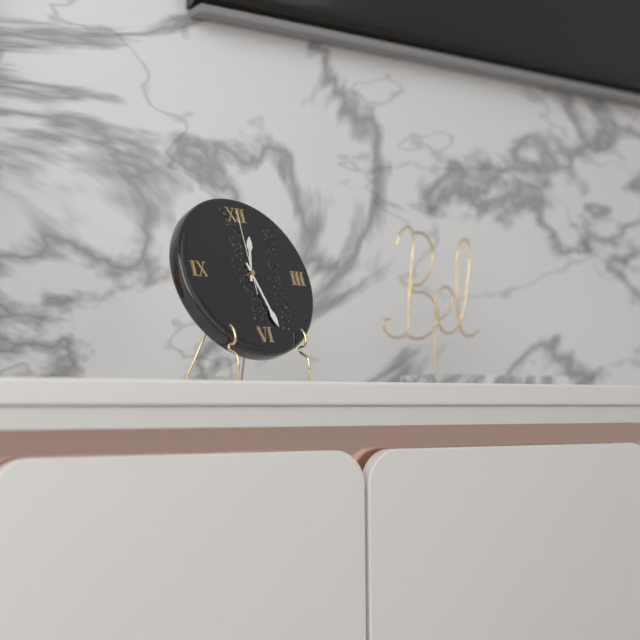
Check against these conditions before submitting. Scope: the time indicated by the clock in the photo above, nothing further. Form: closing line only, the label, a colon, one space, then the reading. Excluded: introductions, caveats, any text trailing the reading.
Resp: 12:27:00
